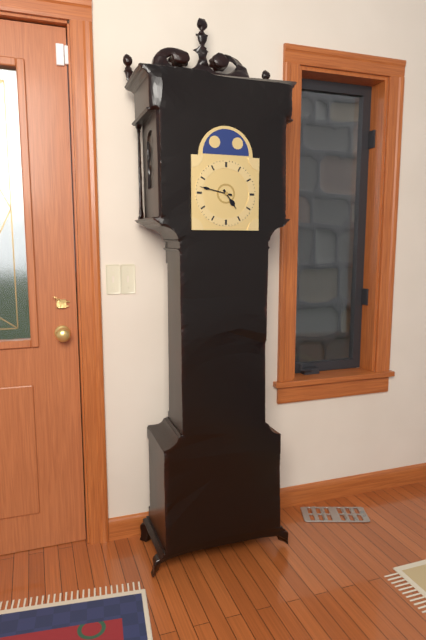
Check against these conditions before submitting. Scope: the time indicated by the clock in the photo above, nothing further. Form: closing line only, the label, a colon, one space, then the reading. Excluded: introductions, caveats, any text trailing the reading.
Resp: 4:47
